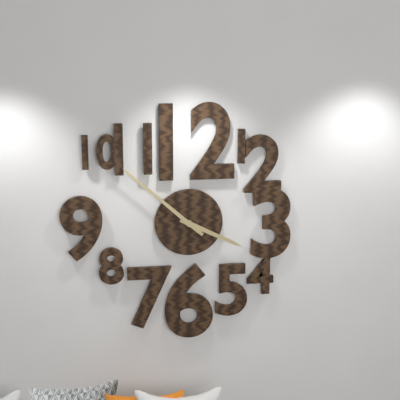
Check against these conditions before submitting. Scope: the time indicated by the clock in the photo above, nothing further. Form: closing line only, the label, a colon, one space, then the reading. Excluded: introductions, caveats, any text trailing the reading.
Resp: 3:52
